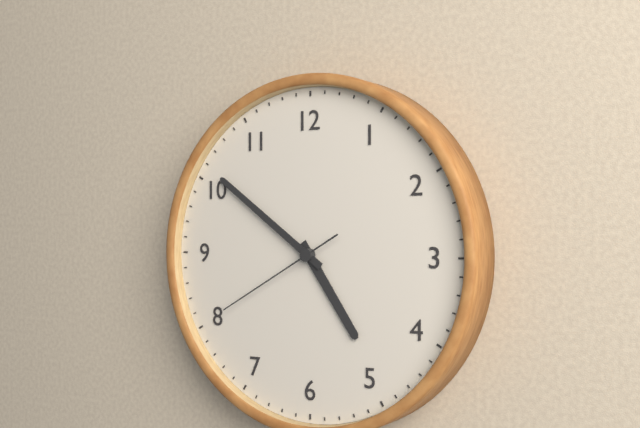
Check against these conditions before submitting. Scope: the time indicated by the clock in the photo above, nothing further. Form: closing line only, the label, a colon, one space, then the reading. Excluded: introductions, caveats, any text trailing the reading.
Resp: 4:51:40
